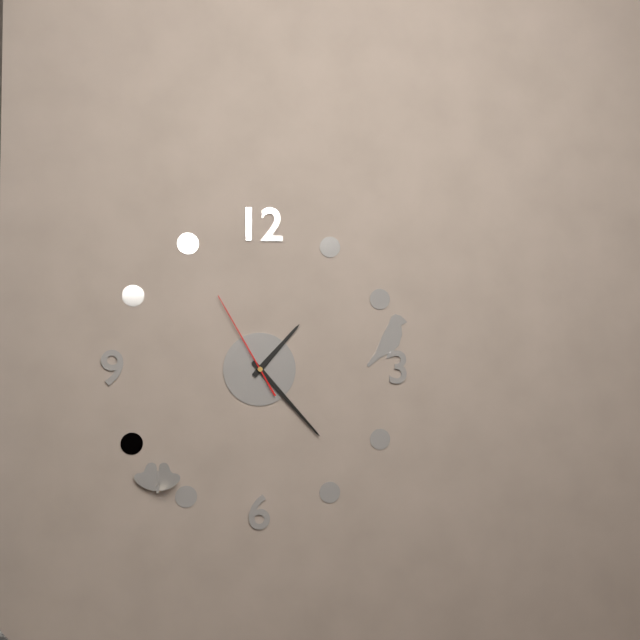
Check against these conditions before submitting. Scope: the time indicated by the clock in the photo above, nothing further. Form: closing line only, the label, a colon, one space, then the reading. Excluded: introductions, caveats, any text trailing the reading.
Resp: 1:23:55
